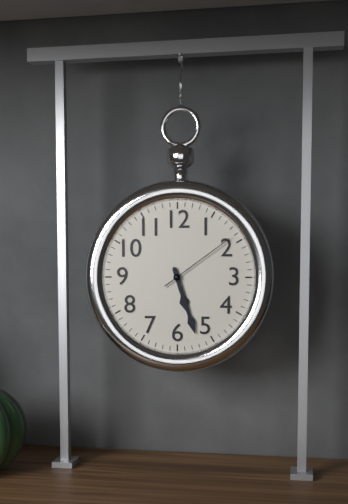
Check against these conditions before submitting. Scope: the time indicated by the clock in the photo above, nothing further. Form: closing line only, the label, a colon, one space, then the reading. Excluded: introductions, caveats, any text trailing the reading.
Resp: 5:27:09
